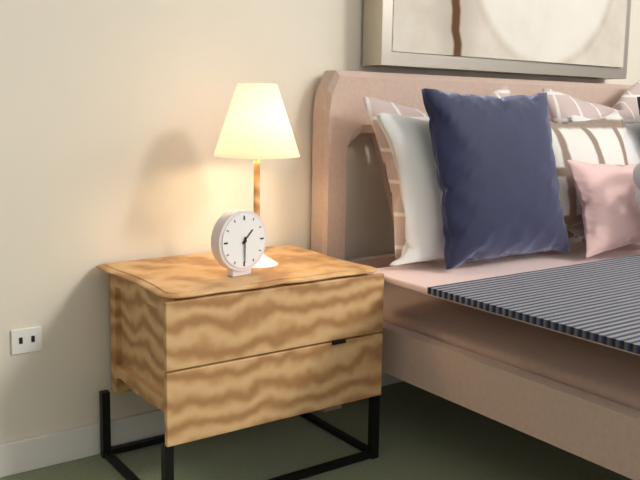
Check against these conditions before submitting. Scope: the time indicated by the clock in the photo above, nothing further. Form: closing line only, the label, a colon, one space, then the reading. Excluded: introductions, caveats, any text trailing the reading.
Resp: 1:30
